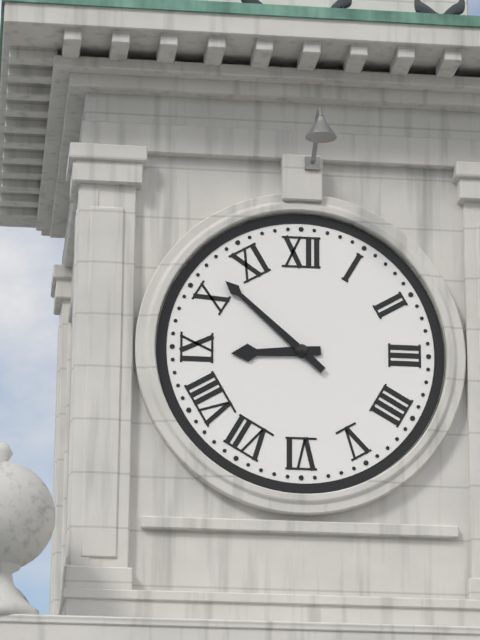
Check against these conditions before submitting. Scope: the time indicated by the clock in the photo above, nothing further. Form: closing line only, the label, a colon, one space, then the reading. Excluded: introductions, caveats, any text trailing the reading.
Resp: 8:52
